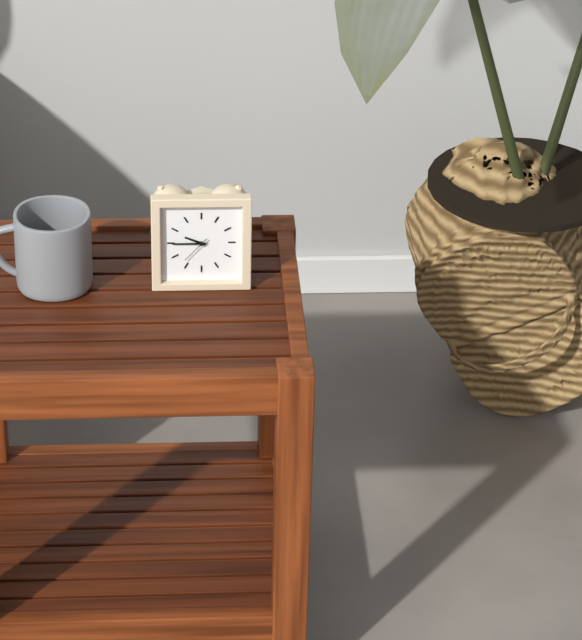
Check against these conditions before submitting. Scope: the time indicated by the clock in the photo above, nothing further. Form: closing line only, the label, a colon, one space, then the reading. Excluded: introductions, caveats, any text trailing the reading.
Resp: 9:45
